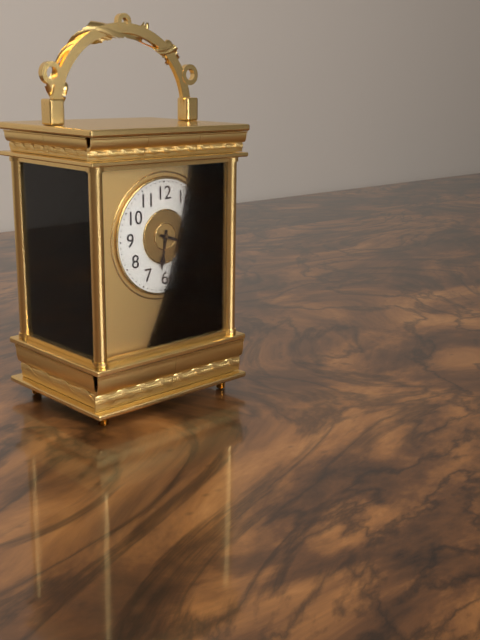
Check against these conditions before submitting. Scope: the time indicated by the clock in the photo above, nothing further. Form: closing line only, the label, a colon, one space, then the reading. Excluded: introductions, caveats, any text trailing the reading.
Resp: 6:18
